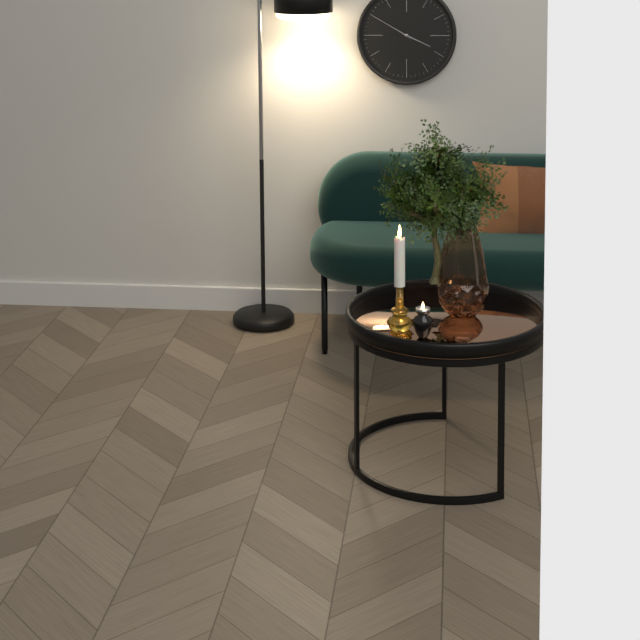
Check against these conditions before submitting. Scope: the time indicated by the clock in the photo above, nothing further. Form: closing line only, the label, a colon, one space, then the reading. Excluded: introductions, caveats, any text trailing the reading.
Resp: 3:50
